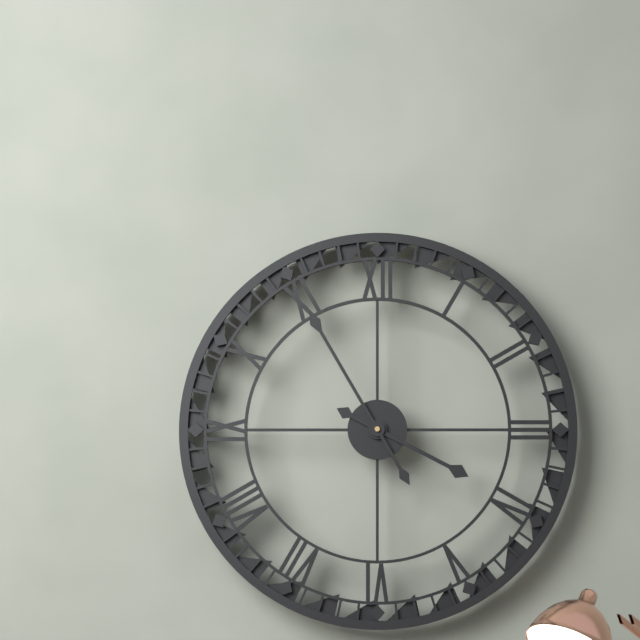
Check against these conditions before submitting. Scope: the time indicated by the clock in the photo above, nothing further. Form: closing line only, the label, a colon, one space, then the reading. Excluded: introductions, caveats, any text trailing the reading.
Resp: 3:55
